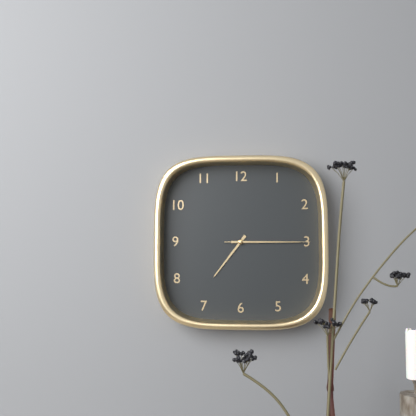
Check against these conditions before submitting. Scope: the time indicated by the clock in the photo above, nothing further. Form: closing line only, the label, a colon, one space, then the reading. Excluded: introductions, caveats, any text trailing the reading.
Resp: 7:15:15
